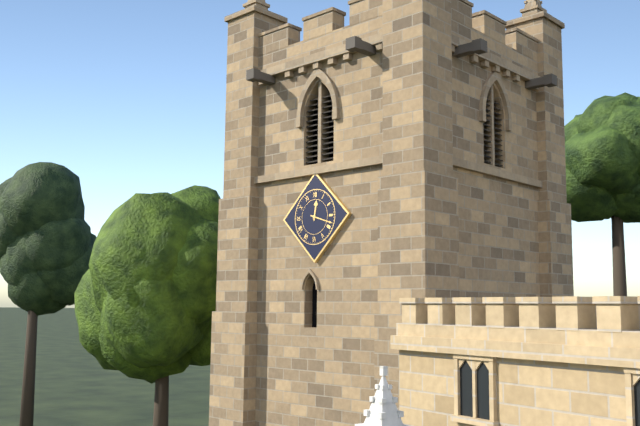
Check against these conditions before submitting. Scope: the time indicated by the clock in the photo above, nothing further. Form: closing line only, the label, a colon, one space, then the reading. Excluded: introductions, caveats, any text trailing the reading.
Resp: 12:18
